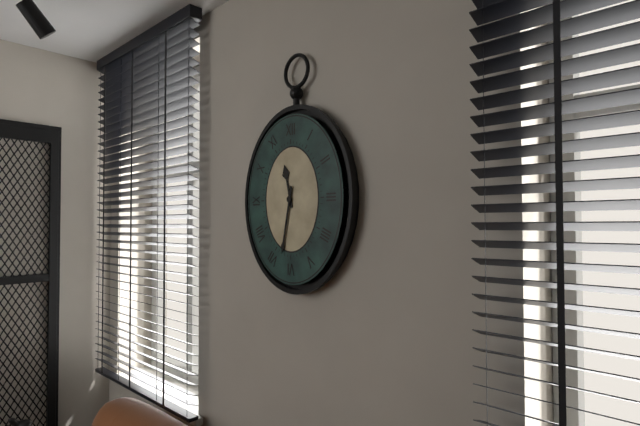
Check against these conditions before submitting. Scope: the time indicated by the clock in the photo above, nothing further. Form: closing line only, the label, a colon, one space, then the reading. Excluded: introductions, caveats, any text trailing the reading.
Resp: 11:32
